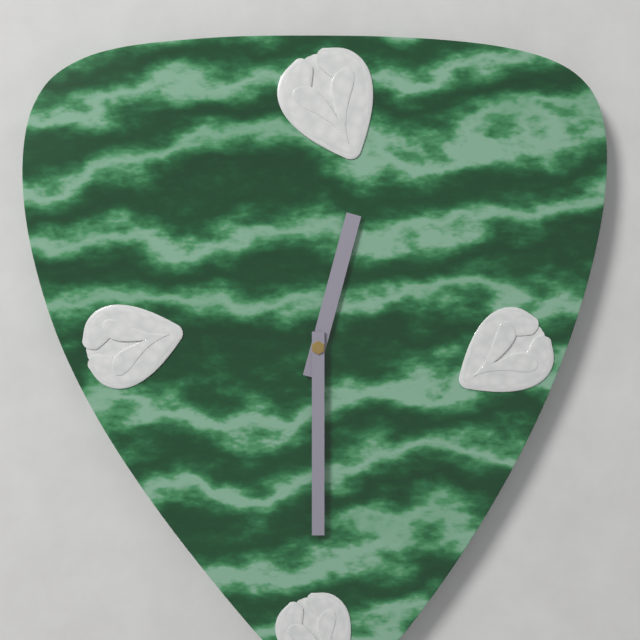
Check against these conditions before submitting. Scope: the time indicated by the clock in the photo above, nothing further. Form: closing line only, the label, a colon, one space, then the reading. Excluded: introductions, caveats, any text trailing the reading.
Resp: 12:30
